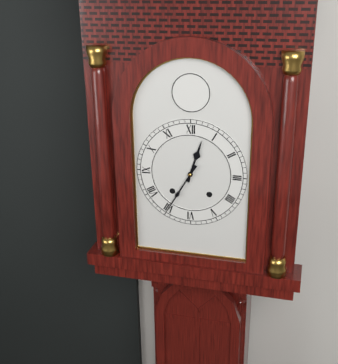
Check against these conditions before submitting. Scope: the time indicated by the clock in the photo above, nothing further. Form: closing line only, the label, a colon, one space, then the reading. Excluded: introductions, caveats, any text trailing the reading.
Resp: 12:35
